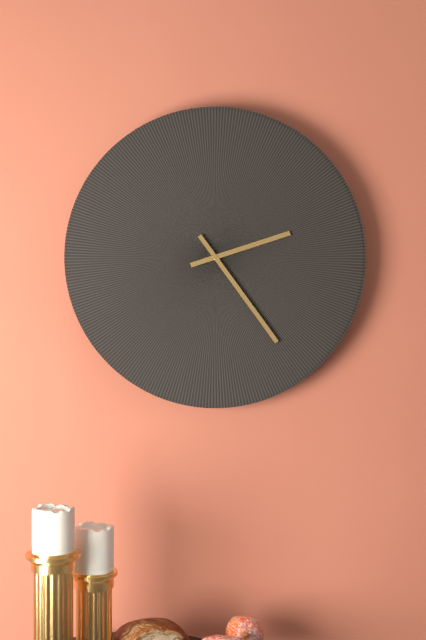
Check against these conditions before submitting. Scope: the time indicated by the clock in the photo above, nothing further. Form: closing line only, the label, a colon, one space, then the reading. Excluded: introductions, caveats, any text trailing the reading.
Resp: 2:24
